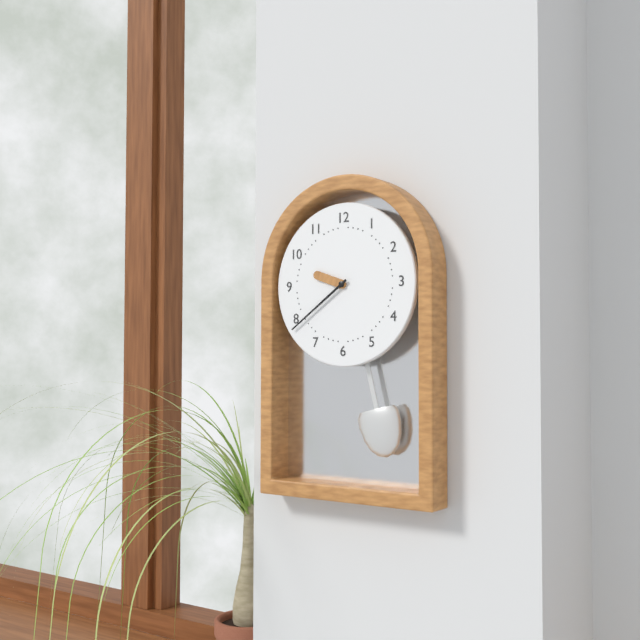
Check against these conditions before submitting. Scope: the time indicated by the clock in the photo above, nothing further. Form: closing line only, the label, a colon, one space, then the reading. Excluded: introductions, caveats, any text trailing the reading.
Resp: 9:39
